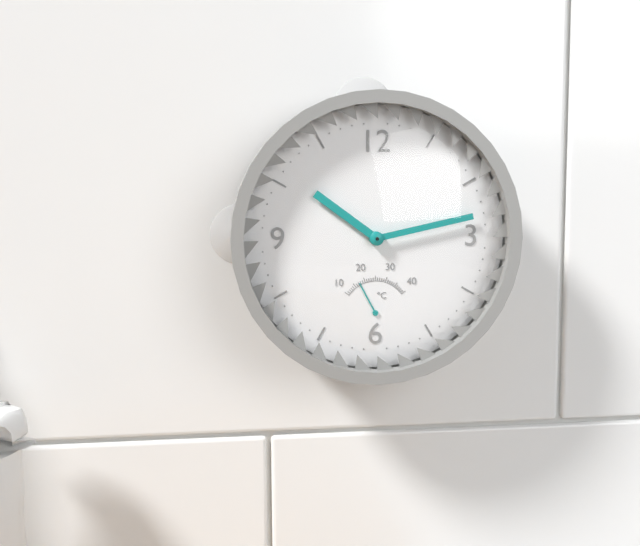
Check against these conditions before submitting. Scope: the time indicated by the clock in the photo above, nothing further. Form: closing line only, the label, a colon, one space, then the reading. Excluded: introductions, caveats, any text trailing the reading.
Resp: 10:13
